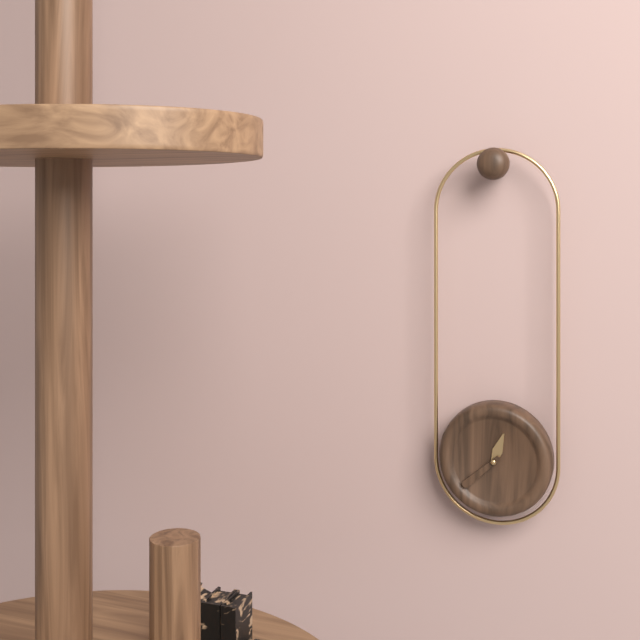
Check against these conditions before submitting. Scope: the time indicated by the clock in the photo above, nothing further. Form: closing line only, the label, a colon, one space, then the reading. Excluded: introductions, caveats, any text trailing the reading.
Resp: 12:38
